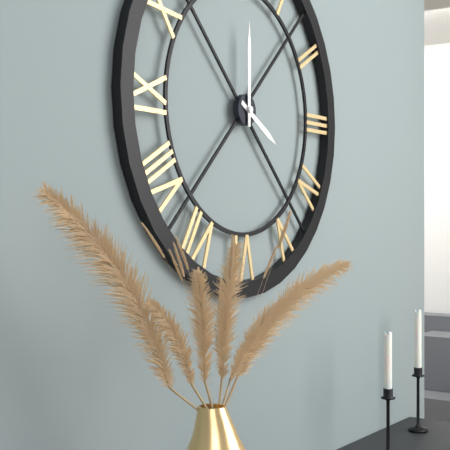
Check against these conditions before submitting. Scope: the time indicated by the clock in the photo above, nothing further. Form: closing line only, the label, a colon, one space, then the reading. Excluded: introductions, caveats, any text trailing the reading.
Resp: 4:00
